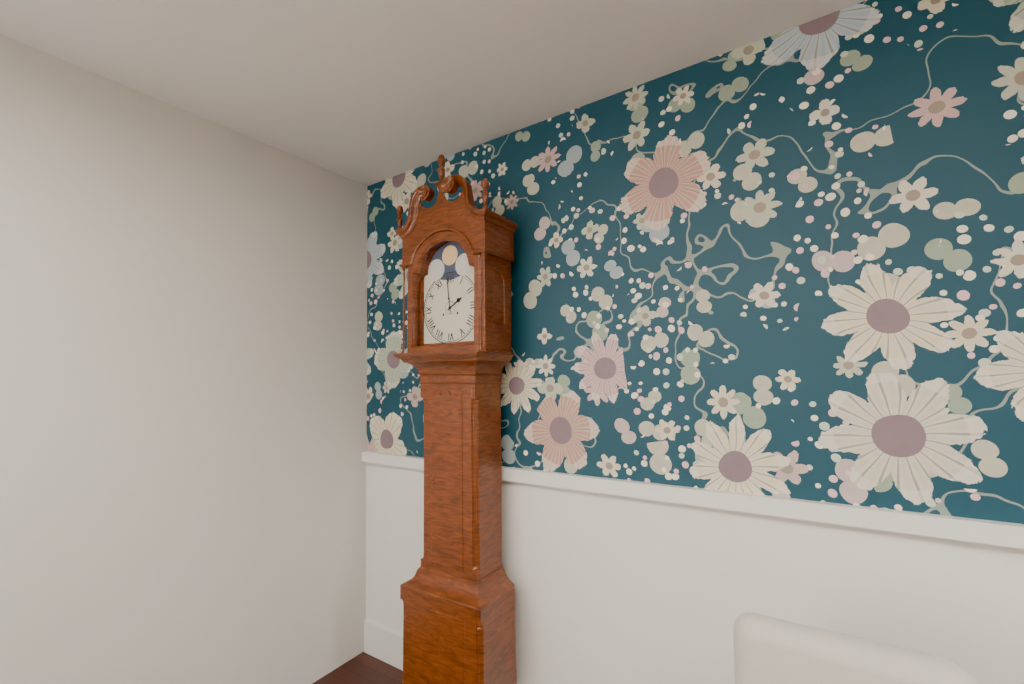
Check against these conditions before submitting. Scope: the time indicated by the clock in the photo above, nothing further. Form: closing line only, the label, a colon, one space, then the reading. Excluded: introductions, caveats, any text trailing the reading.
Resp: 1:59
